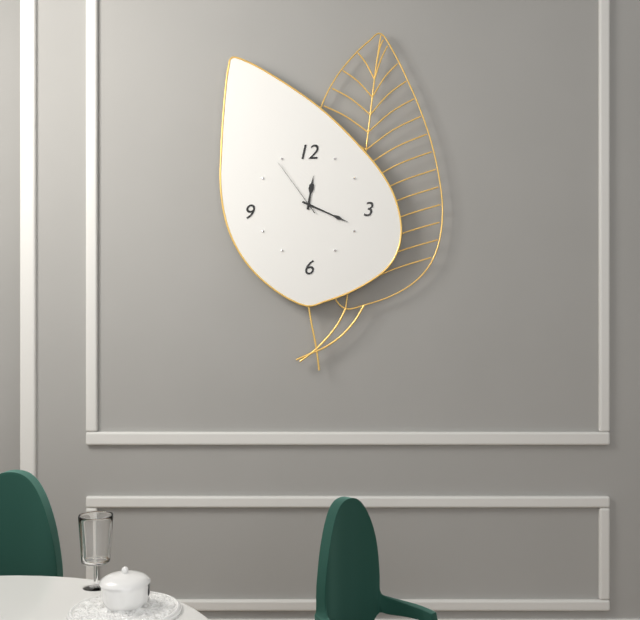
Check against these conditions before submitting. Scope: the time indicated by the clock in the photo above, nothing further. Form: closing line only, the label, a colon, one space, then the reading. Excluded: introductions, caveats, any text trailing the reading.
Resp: 12:19:54
